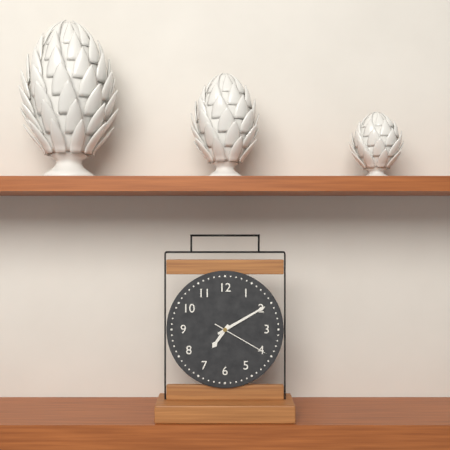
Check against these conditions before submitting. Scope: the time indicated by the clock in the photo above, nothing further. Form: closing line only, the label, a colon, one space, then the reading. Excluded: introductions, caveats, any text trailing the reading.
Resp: 7:10:20
